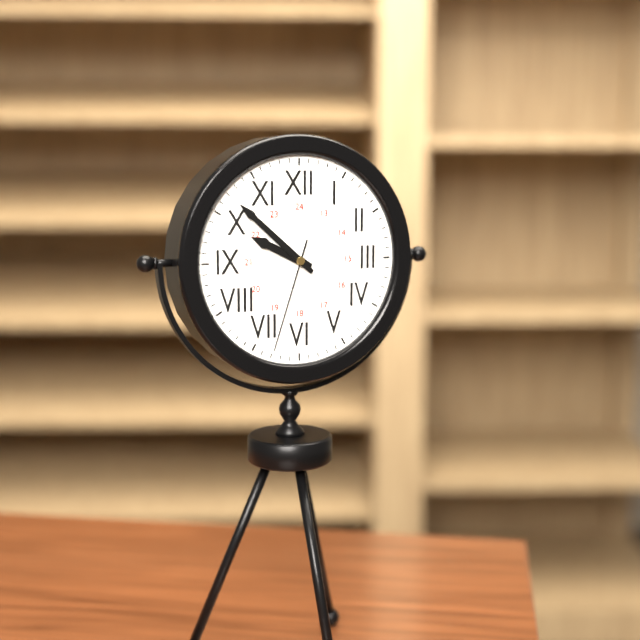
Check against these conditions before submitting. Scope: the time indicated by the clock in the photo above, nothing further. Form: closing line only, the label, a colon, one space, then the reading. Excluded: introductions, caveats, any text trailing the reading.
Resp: 9:52:33
